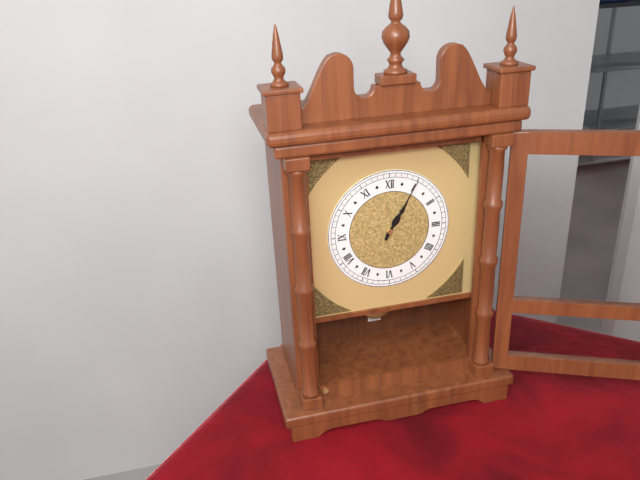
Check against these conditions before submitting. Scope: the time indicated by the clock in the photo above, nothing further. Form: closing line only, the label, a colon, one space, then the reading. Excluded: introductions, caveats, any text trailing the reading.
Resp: 1:05
